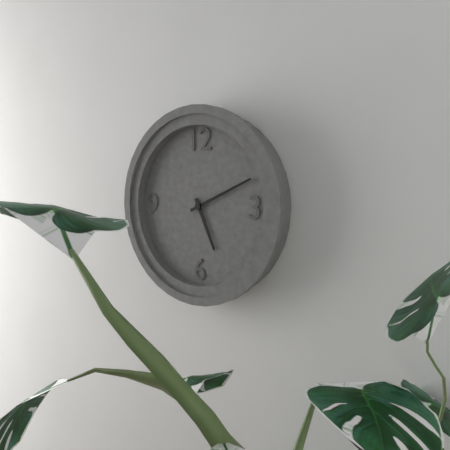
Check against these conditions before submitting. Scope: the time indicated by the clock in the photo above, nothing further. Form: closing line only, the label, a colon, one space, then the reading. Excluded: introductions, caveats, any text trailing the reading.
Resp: 5:11
